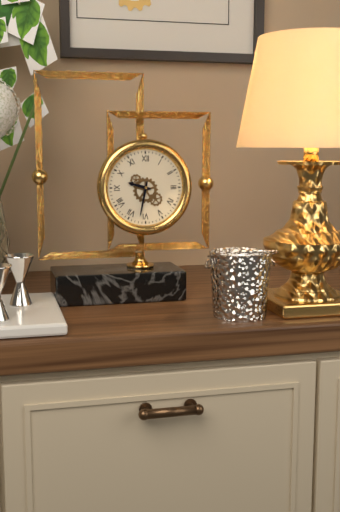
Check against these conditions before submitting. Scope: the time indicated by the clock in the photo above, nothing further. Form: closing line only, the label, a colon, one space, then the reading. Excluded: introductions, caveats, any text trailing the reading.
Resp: 9:32
